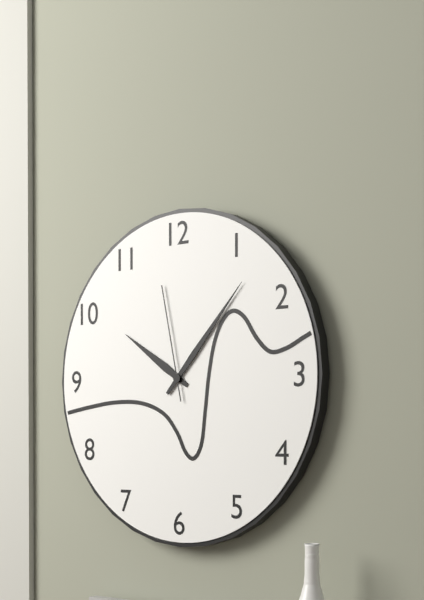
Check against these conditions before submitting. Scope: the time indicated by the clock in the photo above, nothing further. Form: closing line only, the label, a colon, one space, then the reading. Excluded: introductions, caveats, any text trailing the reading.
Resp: 10:07:58
